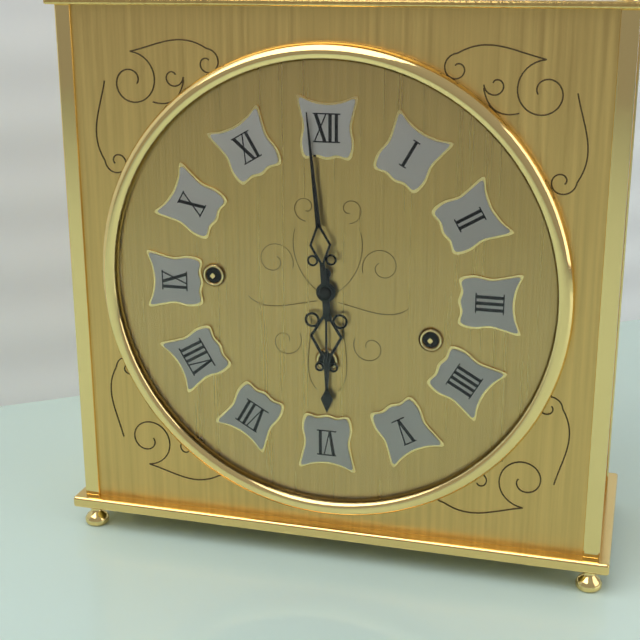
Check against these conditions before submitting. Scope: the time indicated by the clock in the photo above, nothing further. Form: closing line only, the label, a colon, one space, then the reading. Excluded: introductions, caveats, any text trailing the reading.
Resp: 5:59
